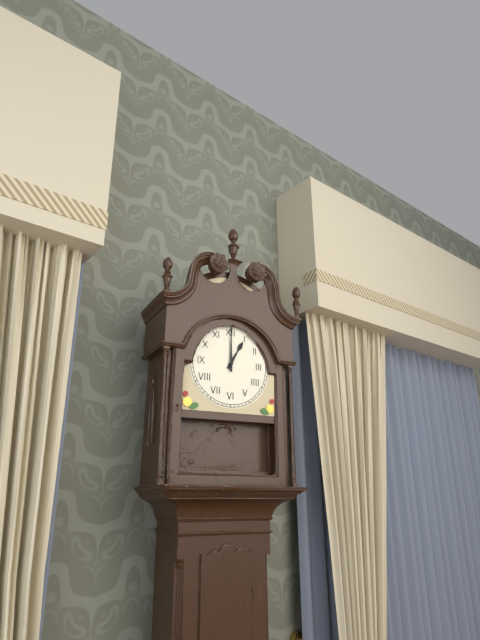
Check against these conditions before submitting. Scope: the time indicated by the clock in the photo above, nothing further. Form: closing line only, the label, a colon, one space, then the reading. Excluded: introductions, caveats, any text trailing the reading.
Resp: 1:00
